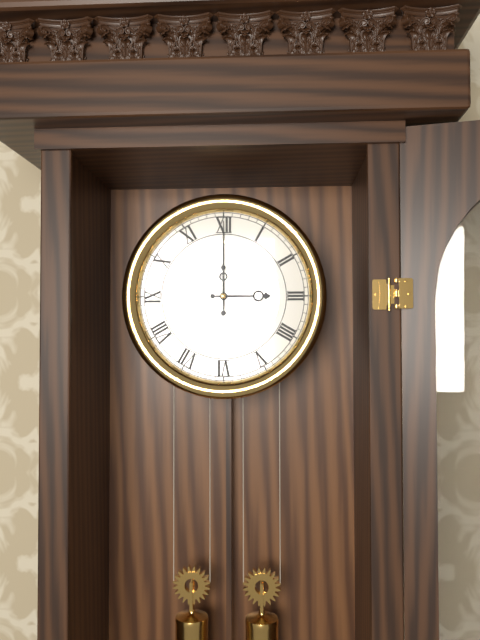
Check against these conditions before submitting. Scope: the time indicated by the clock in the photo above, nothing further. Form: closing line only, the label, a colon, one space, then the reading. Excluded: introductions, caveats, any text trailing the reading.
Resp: 3:00
